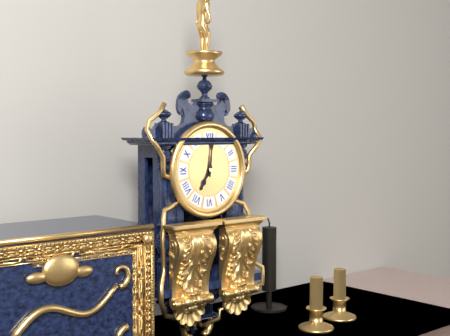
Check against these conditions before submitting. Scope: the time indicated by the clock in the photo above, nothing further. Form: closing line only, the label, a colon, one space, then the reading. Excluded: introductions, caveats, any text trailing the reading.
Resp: 7:01
